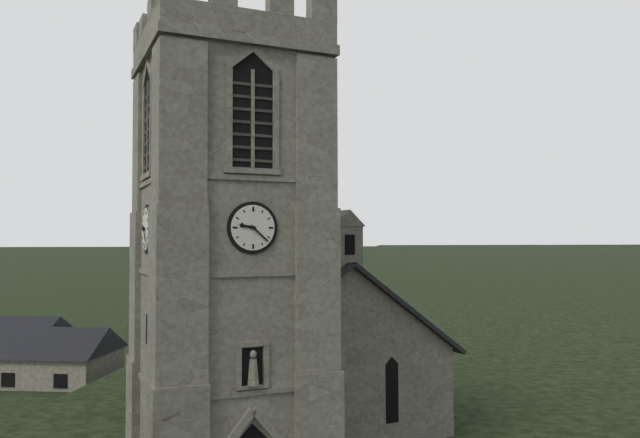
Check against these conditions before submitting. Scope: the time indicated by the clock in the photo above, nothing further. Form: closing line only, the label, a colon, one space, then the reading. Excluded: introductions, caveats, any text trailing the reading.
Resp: 9:22
